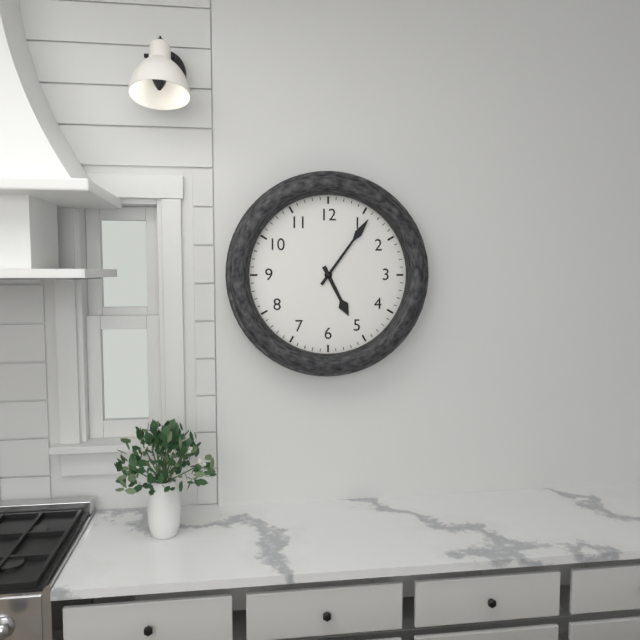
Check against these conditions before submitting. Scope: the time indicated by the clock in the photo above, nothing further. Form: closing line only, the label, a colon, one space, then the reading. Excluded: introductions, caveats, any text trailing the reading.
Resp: 5:06
